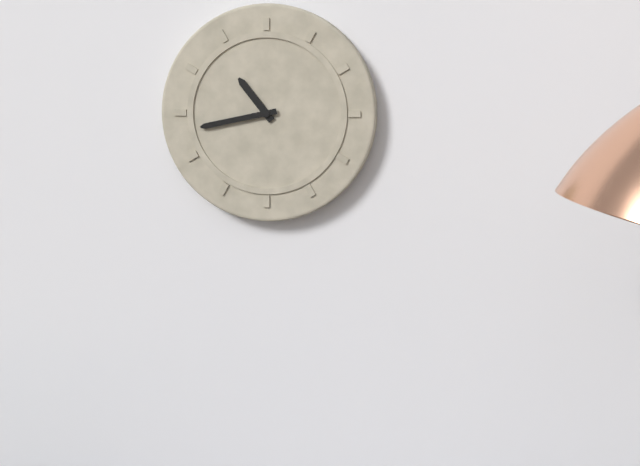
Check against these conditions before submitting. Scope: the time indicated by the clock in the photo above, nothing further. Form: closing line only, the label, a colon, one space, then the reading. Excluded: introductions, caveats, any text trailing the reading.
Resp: 10:43
